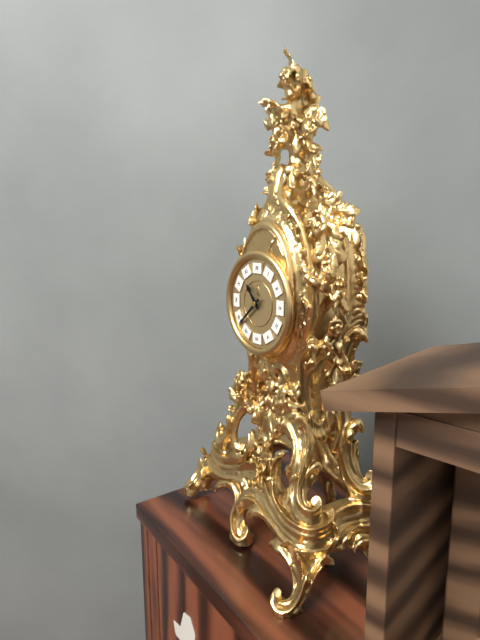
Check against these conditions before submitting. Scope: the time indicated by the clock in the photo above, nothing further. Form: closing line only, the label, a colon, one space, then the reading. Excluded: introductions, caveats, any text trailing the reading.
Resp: 10:38
